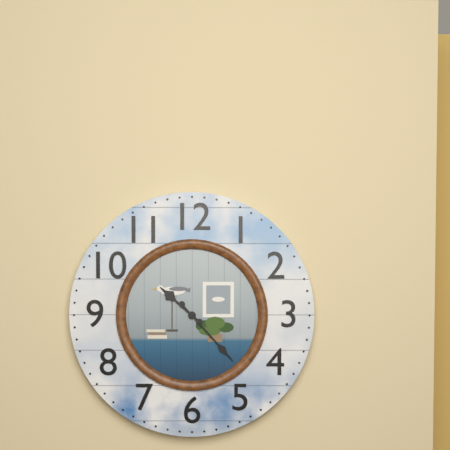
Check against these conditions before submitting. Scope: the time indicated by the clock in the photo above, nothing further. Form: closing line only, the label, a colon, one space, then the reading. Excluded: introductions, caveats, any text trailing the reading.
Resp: 10:23
